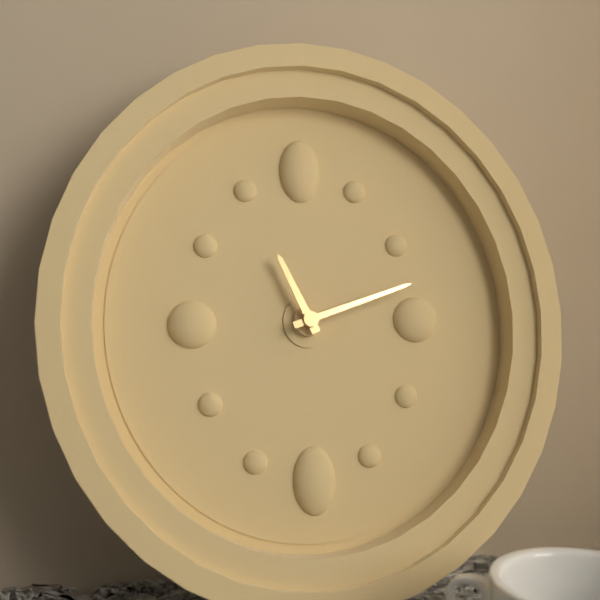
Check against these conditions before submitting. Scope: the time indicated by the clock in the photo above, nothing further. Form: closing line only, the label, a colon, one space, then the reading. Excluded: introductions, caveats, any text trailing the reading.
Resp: 11:12
